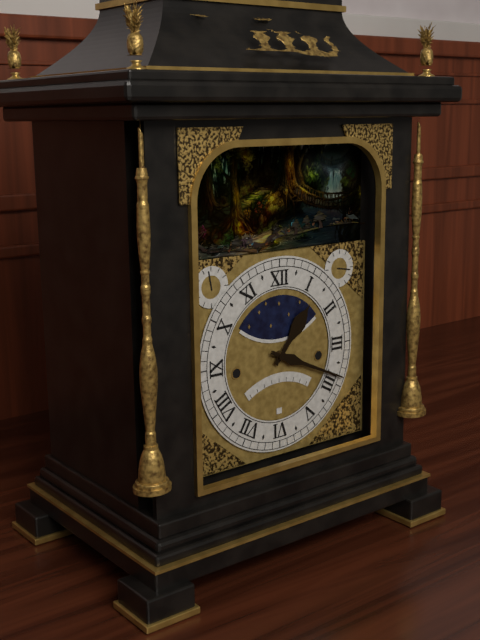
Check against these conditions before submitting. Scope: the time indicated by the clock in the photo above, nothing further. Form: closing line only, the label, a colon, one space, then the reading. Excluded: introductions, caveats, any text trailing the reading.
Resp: 1:19
